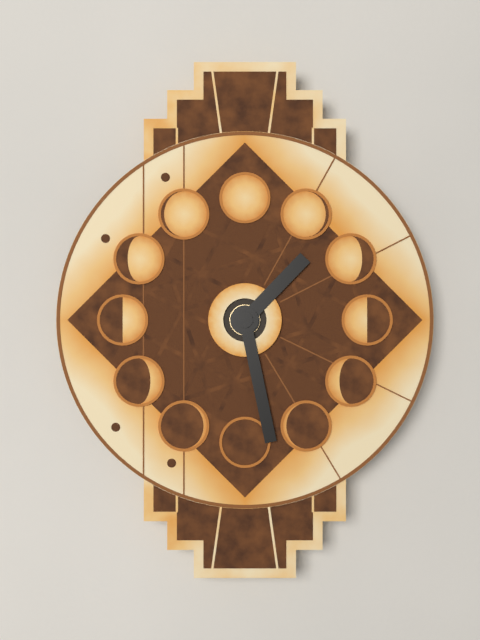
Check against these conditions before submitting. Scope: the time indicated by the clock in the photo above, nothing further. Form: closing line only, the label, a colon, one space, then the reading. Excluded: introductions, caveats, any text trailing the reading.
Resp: 1:28
